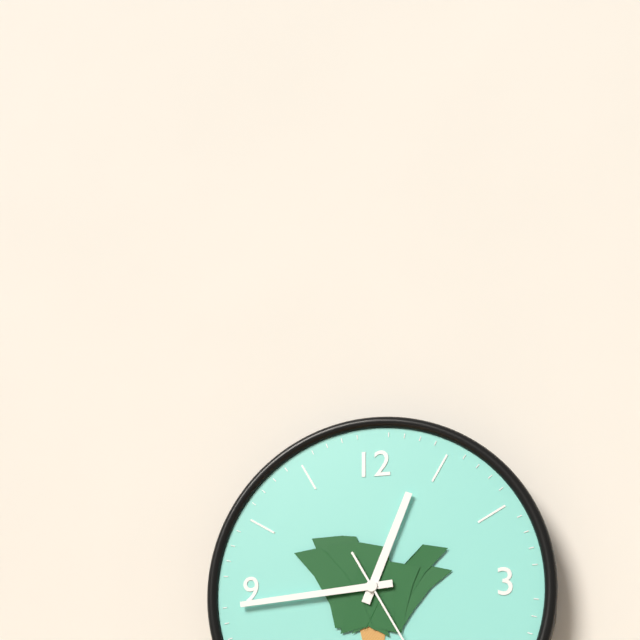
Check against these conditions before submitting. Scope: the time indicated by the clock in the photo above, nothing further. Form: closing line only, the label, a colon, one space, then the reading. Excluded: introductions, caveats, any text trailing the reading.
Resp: 12:44
